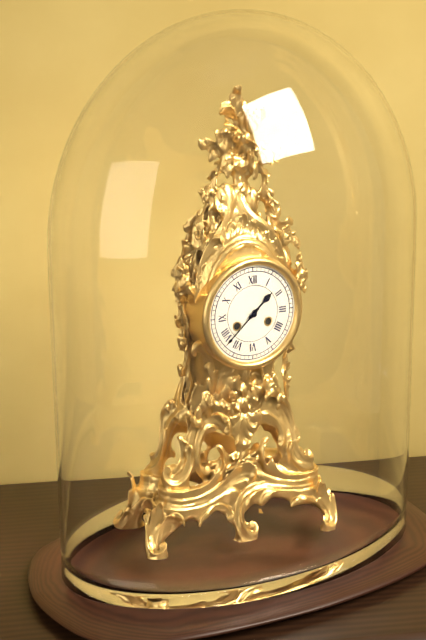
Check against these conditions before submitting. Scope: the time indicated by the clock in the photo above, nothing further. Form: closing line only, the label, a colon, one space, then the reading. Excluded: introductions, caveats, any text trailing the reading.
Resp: 1:38
